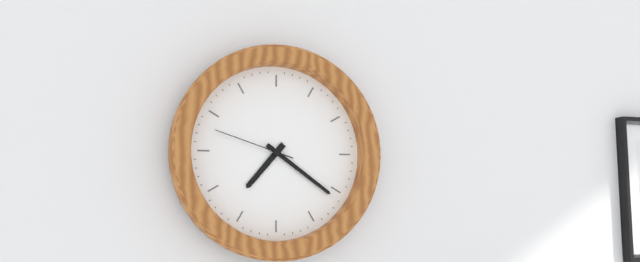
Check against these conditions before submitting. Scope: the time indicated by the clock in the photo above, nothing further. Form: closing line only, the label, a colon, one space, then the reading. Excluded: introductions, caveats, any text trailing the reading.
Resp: 7:21:48
